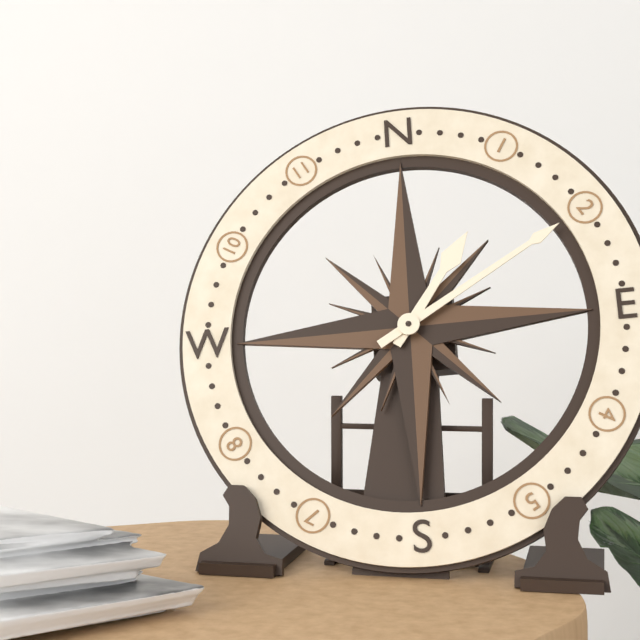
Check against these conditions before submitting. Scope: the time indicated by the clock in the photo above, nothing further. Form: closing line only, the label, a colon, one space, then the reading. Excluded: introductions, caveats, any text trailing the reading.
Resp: 1:10
